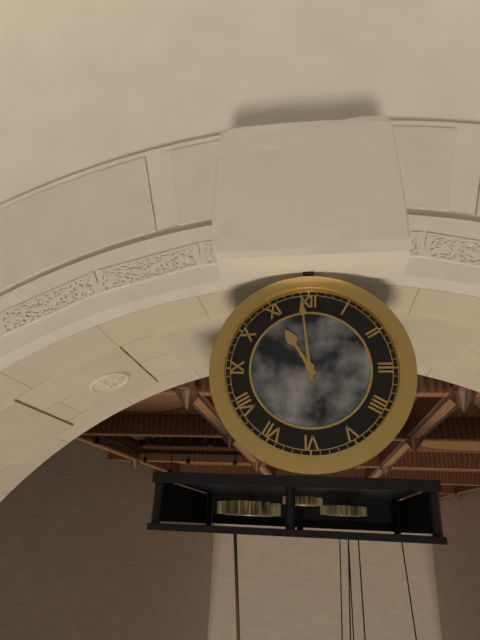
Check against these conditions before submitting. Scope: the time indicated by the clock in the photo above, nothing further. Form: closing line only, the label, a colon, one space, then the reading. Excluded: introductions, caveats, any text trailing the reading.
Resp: 10:59
